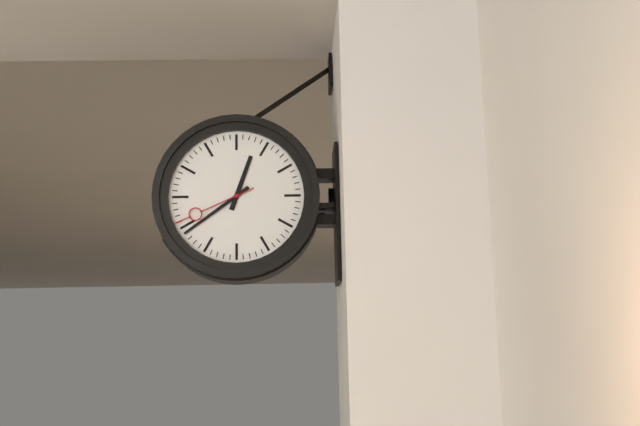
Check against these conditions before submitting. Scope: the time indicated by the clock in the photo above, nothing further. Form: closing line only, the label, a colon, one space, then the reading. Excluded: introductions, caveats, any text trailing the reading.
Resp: 12:39:41
